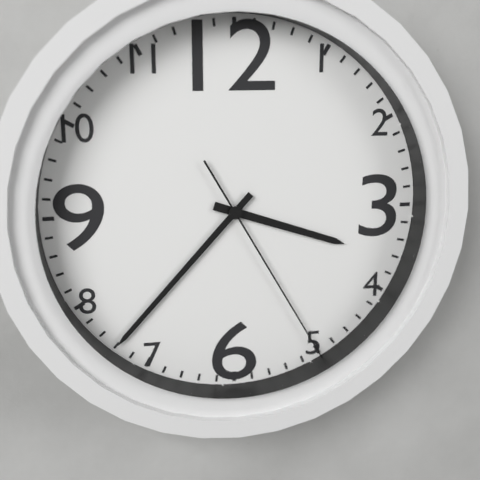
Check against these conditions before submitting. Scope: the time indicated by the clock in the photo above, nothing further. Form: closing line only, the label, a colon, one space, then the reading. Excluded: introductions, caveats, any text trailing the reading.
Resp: 3:37:25
